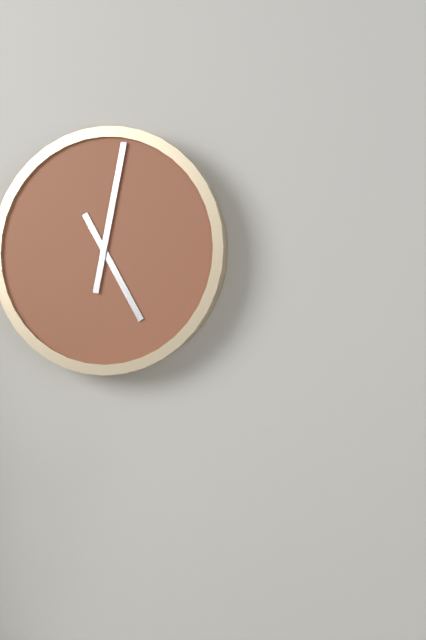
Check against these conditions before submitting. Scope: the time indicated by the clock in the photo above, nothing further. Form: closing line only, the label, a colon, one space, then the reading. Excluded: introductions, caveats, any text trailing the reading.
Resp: 5:02
